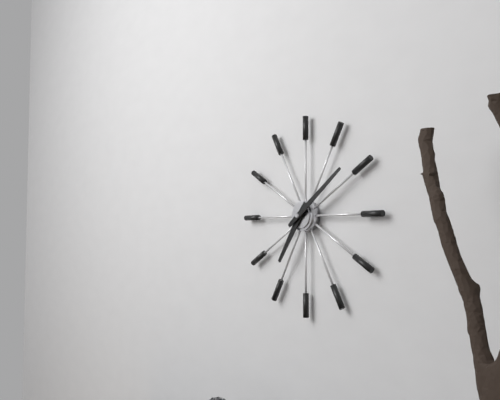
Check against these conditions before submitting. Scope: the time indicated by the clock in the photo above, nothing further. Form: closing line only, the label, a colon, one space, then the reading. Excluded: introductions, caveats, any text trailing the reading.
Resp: 7:09
